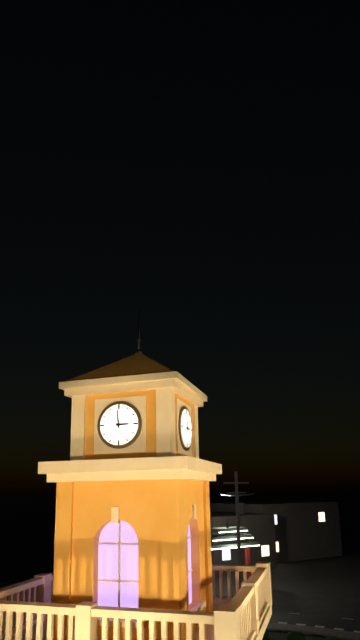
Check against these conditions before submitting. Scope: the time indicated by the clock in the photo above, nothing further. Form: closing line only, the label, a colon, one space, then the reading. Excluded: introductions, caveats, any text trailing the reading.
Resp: 2:59
